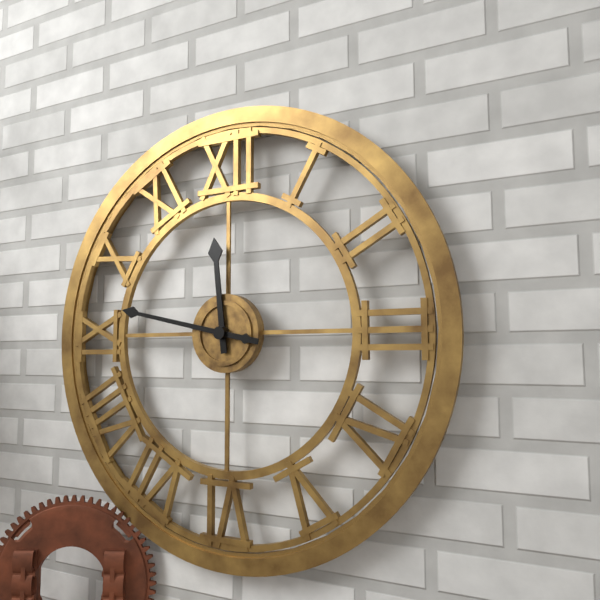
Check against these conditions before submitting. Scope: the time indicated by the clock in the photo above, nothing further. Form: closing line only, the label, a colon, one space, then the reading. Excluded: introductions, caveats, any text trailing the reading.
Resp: 11:47
